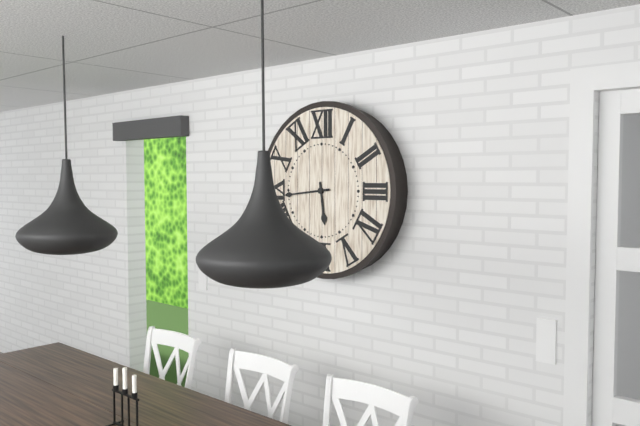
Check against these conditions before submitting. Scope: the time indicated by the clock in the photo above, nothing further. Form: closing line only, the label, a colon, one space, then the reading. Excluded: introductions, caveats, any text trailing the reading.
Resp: 5:44
